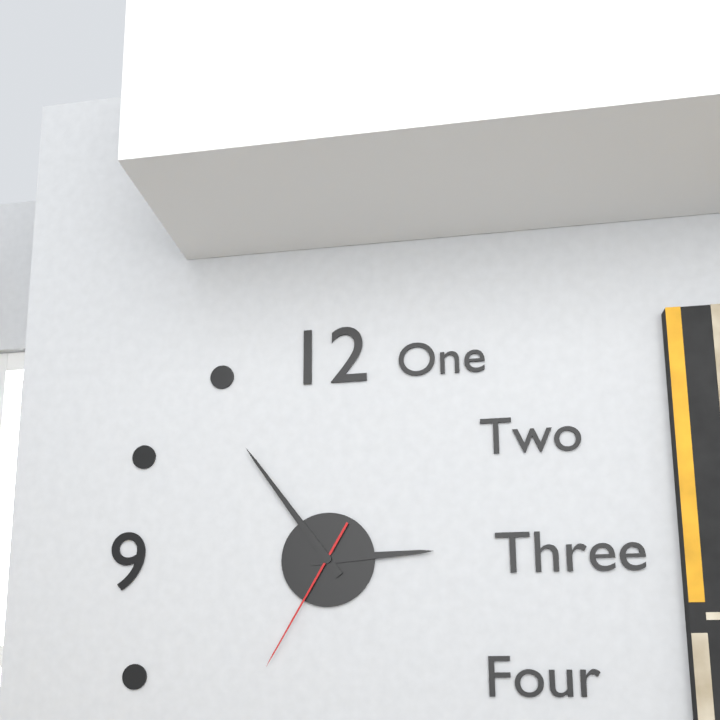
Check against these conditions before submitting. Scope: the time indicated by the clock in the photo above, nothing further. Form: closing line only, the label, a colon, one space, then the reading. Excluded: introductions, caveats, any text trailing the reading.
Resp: 2:54:35
